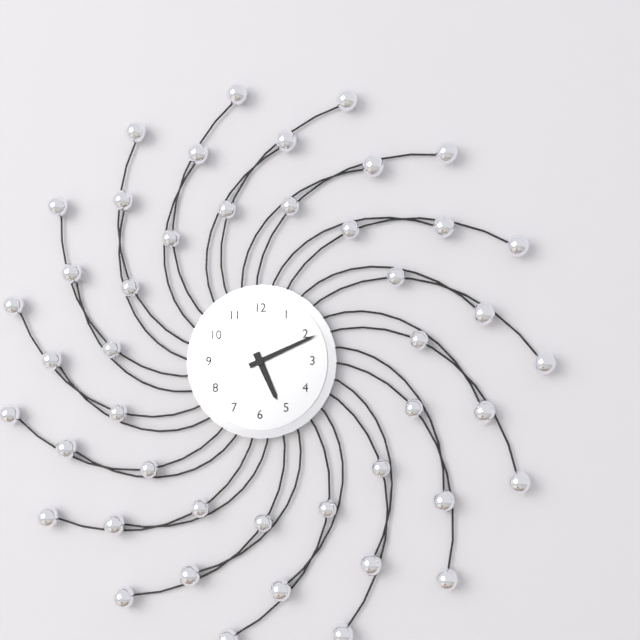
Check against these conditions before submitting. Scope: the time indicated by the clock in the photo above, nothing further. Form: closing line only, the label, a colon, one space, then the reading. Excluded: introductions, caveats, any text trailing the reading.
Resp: 5:11
